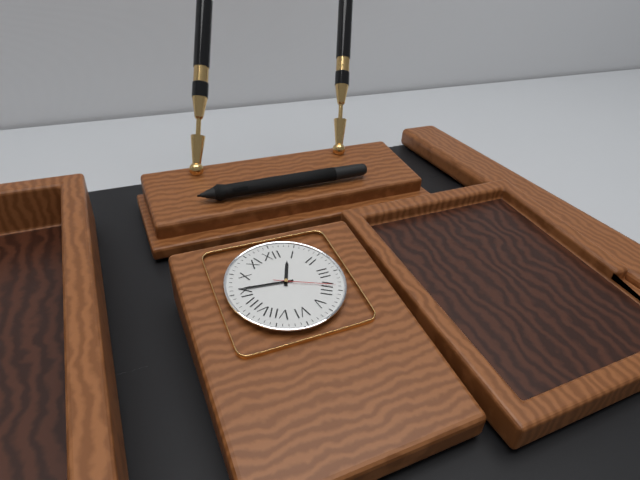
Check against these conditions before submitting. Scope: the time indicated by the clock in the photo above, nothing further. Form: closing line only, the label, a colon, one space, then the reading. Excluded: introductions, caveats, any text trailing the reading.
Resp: 12:46:19
